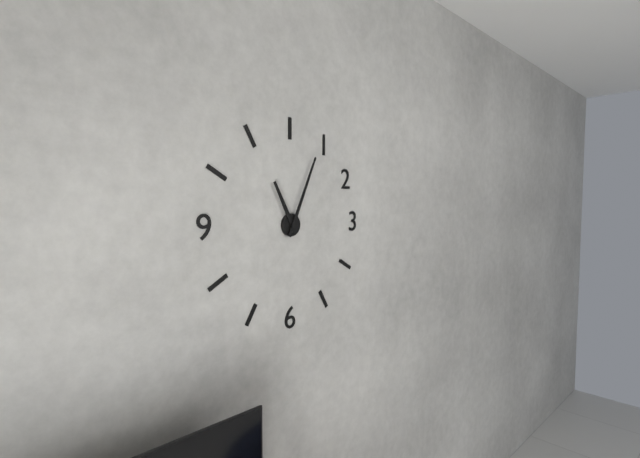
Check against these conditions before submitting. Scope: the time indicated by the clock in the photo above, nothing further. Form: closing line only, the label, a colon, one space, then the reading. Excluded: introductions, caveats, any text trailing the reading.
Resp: 11:04
